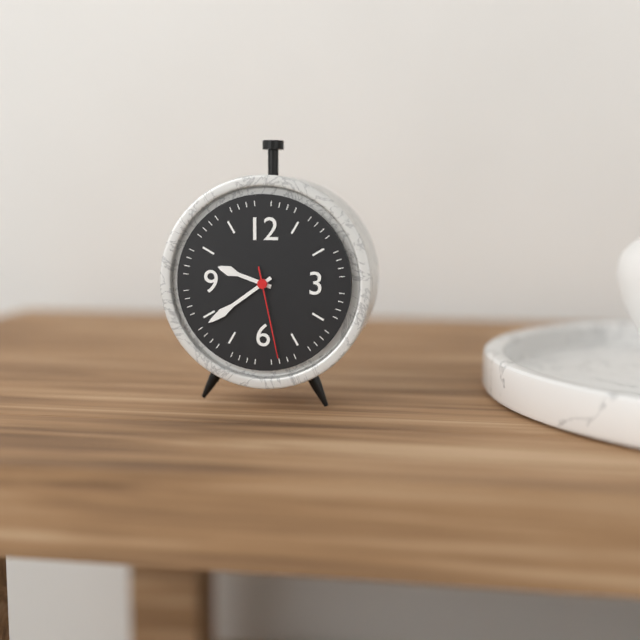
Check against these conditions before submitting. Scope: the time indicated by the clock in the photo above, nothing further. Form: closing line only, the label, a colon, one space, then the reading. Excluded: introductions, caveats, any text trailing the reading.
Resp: 9:39:28
